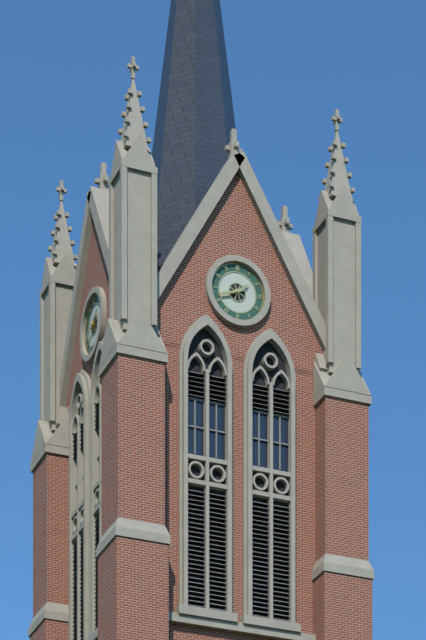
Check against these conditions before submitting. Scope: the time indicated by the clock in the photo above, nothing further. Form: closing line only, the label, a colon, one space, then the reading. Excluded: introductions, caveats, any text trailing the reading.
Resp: 1:42
